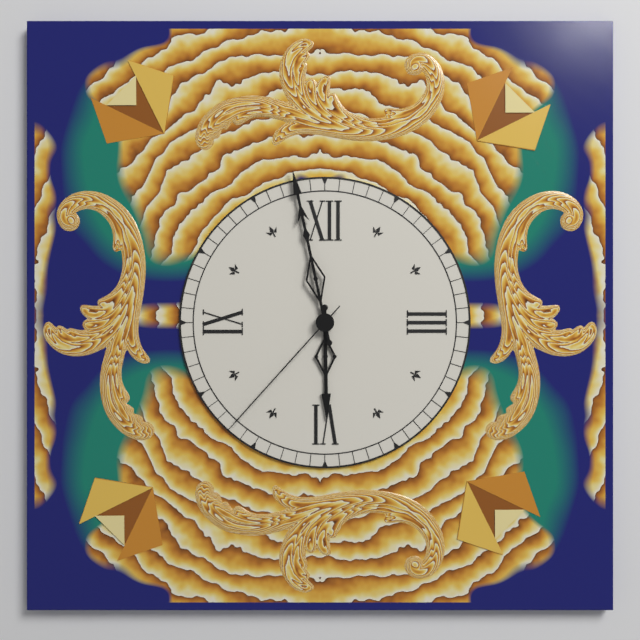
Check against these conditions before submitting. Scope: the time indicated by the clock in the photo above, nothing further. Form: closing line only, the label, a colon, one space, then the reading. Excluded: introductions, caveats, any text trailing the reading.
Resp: 5:58:37
